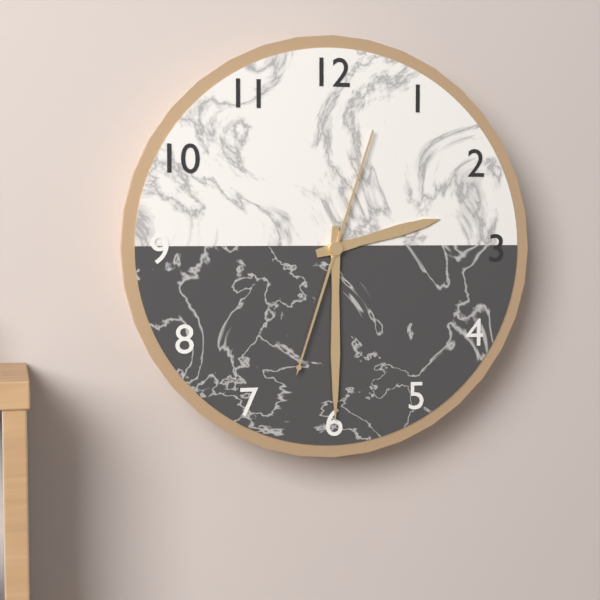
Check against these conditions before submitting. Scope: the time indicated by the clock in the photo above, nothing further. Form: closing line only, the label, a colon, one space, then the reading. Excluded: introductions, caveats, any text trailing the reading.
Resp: 2:30:33
